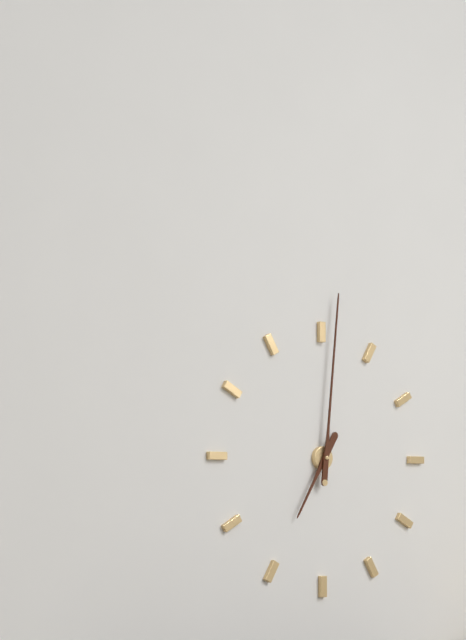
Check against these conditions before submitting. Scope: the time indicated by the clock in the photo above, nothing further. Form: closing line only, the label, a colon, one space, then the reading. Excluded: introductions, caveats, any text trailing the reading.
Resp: 7:01
